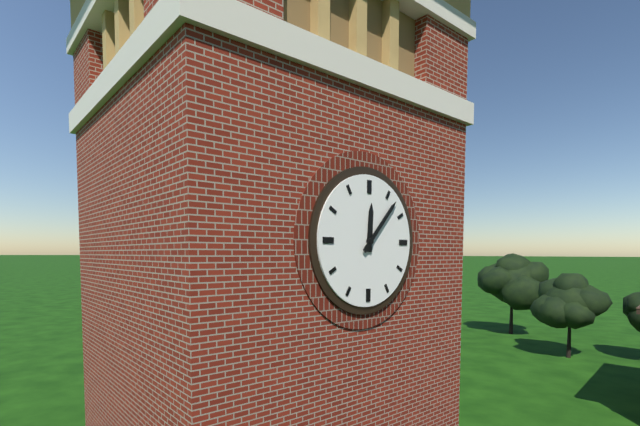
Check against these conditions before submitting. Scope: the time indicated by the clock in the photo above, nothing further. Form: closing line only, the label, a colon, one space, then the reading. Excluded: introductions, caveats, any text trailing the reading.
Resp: 12:07
